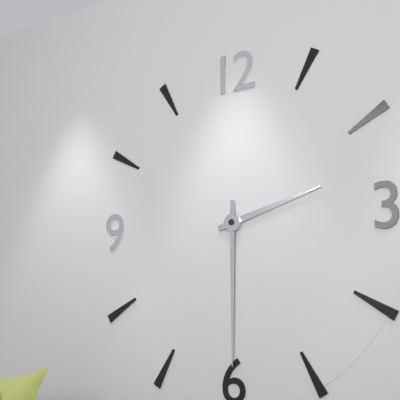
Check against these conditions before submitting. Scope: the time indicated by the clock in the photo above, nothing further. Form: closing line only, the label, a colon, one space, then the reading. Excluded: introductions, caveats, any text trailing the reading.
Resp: 2:30
